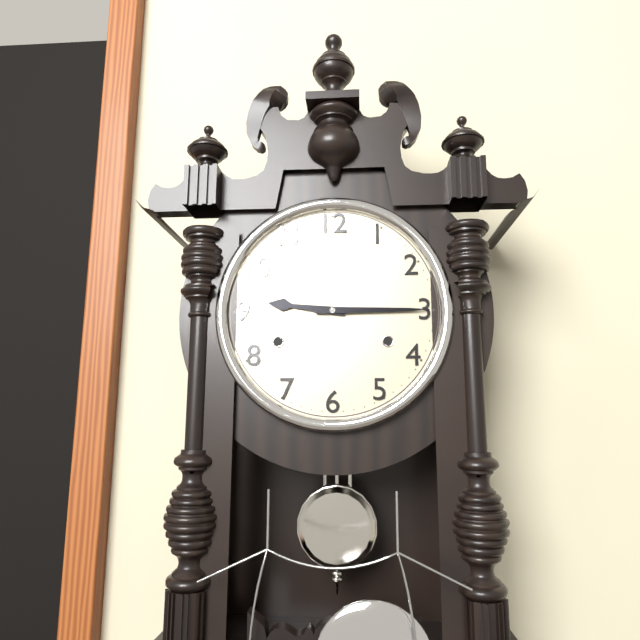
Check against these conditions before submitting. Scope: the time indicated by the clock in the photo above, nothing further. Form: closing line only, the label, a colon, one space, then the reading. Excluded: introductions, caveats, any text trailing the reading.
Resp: 9:15
